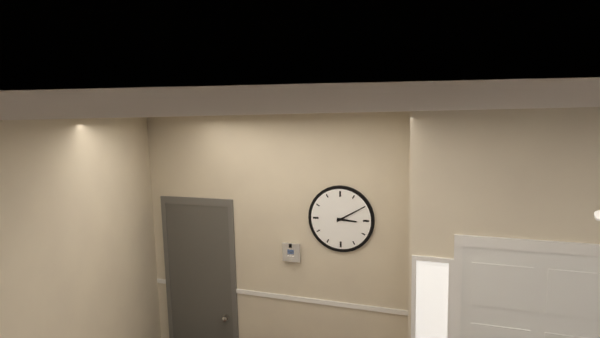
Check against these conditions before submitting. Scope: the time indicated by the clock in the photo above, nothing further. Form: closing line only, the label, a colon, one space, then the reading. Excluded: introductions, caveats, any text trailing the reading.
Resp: 3:10
